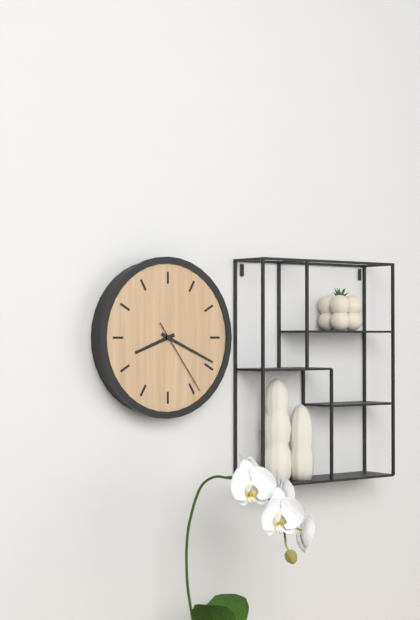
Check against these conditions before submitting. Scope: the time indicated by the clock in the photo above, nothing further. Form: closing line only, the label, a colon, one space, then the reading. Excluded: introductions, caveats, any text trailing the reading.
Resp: 8:19:24
